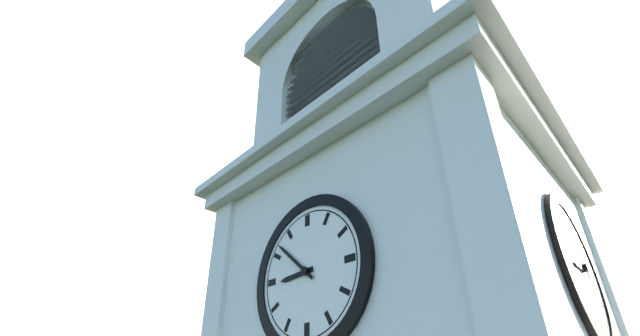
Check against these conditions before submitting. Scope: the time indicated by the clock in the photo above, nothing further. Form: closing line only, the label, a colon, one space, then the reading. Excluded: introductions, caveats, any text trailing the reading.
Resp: 8:52
